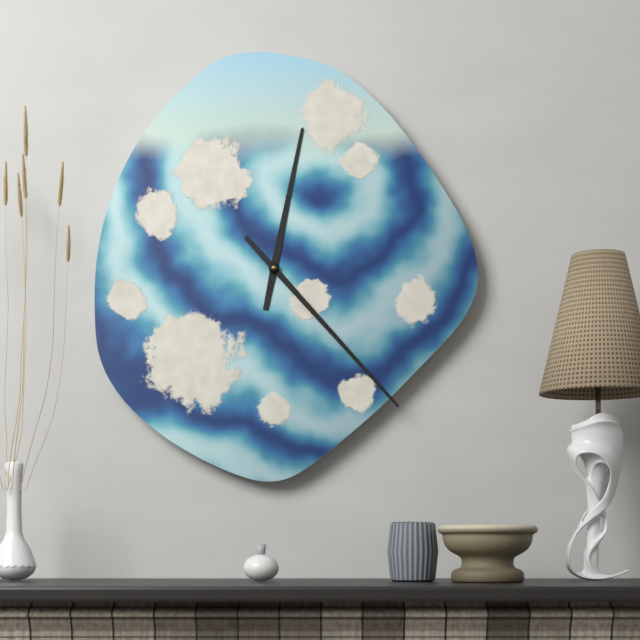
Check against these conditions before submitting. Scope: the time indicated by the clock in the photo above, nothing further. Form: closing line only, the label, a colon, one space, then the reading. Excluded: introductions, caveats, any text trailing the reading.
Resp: 12:23
